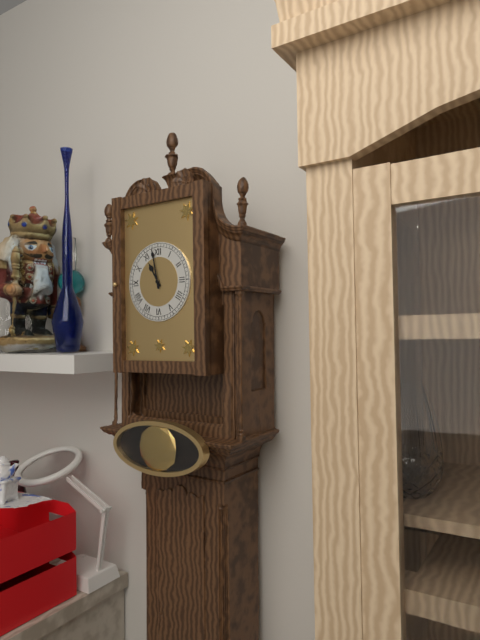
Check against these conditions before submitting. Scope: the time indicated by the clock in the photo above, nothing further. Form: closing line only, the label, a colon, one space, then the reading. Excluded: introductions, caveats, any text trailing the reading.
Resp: 10:58
